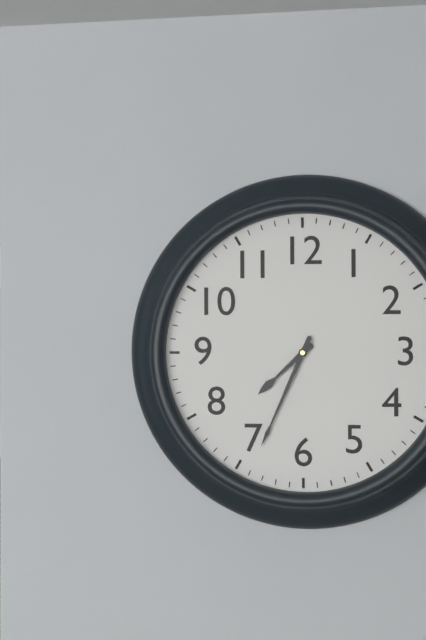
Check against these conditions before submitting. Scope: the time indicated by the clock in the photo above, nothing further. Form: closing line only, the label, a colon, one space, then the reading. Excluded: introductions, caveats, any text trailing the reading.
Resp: 7:34
